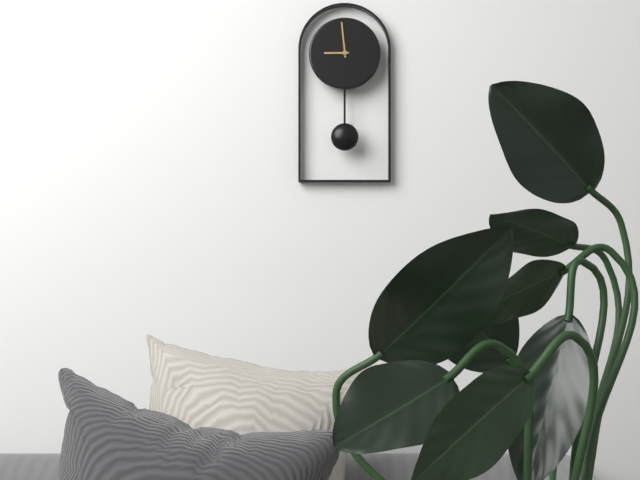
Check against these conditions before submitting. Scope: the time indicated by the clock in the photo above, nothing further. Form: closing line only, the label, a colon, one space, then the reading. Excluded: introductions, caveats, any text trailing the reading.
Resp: 8:59
